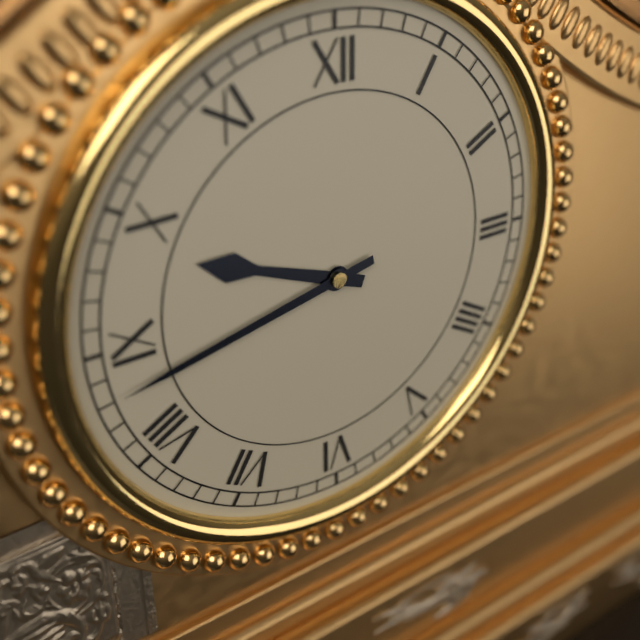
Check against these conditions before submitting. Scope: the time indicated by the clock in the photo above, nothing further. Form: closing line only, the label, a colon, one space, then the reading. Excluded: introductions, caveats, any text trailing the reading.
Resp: 9:43
